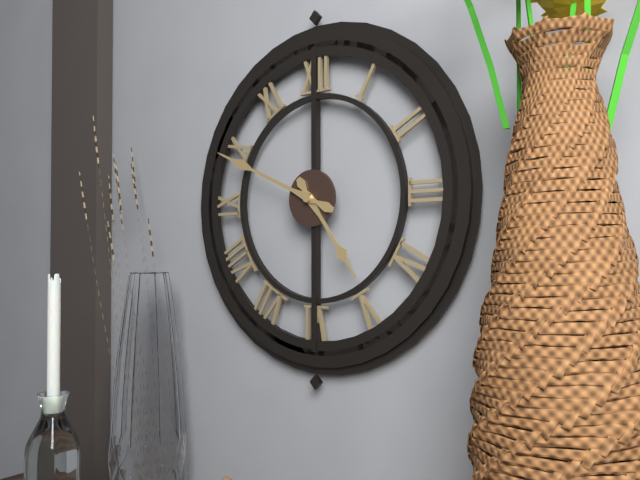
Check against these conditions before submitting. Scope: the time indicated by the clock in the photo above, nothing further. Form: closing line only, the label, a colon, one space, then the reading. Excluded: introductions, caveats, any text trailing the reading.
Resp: 4:49
